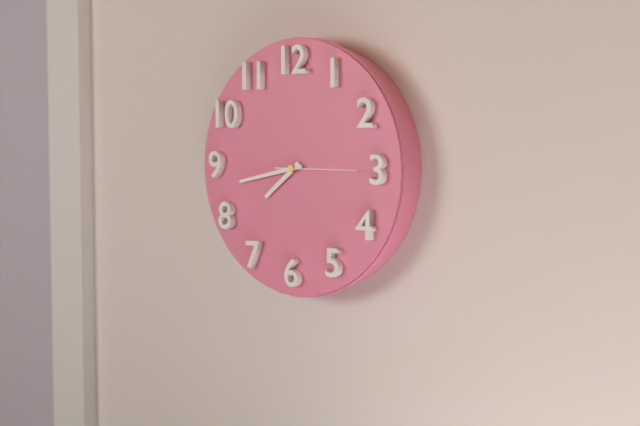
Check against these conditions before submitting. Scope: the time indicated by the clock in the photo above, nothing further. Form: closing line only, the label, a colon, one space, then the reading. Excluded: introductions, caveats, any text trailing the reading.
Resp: 7:43:15
